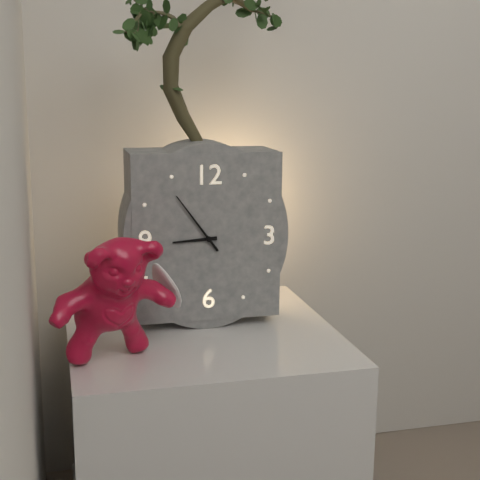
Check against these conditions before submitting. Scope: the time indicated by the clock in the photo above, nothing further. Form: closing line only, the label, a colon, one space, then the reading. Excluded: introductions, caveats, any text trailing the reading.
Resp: 8:54
